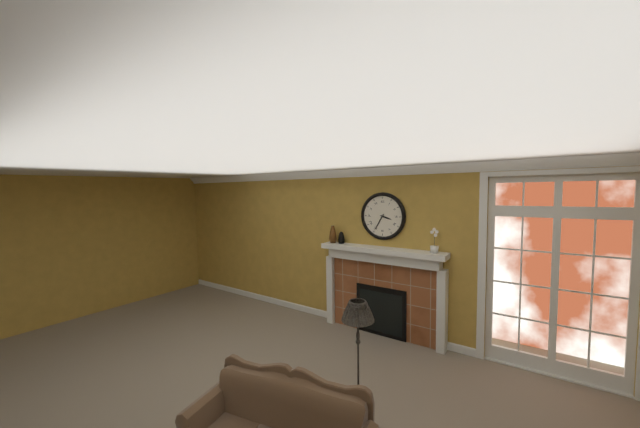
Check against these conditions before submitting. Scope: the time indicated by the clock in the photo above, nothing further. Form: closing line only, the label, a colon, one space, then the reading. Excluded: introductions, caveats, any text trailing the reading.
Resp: 3:35
